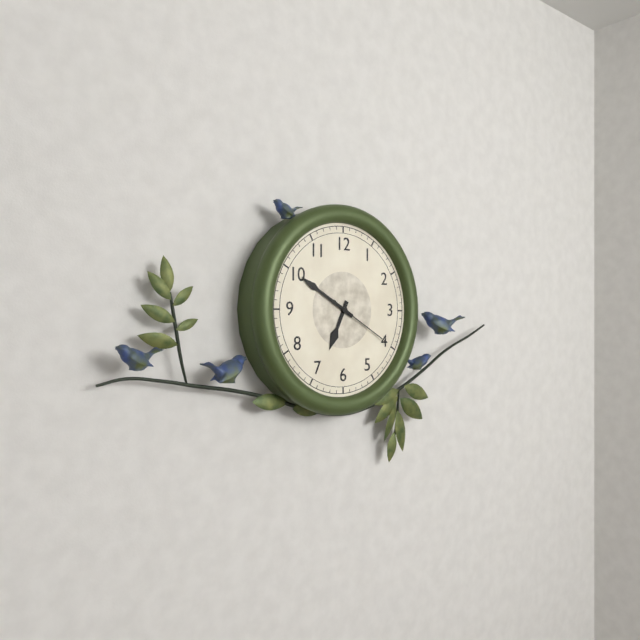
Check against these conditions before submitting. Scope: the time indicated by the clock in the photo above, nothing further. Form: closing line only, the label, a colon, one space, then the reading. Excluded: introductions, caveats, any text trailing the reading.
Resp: 6:50:20
